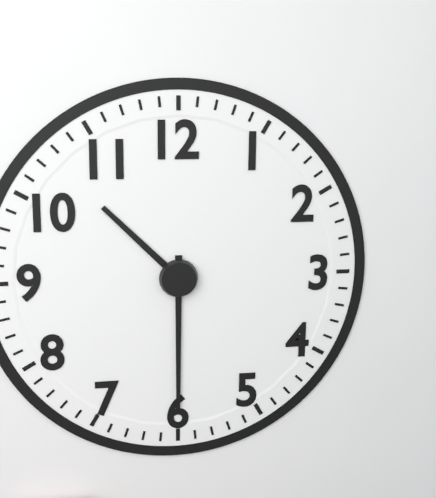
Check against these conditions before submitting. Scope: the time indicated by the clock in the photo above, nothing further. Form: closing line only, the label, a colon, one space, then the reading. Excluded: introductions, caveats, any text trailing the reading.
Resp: 10:30
